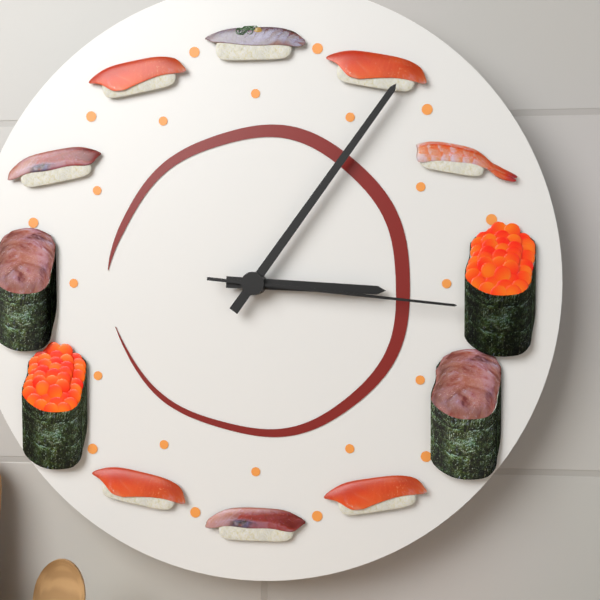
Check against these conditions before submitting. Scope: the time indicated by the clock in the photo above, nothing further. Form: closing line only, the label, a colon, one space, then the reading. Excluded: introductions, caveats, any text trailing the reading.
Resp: 3:06:16
